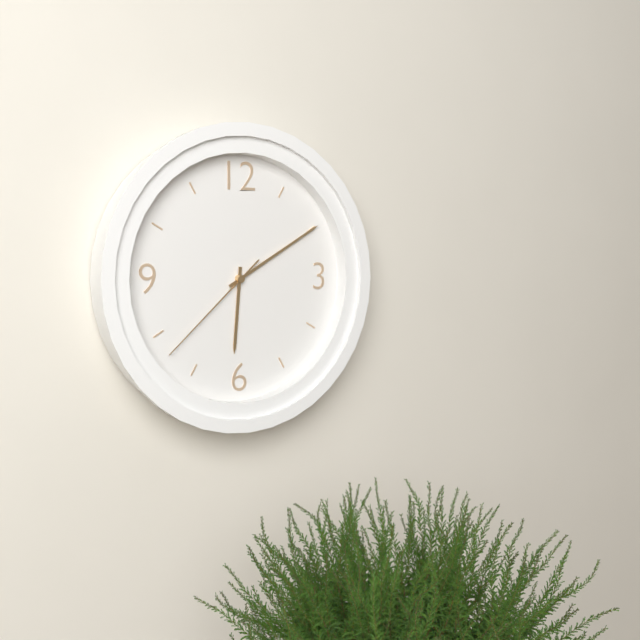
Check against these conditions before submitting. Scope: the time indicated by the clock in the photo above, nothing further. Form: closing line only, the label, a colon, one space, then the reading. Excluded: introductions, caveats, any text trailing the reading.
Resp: 6:10:38
